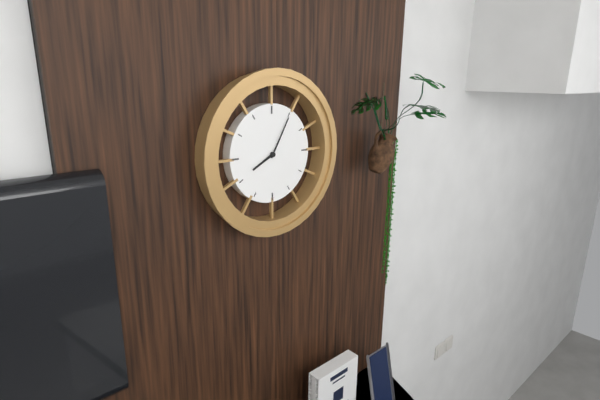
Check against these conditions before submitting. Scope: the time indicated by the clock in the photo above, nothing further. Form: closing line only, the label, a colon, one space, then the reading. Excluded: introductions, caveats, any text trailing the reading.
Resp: 8:05
